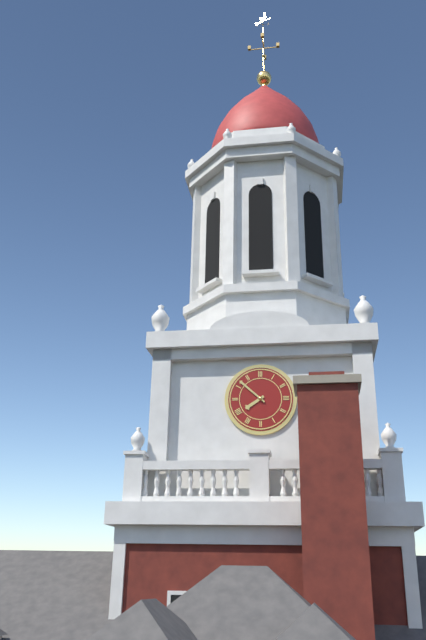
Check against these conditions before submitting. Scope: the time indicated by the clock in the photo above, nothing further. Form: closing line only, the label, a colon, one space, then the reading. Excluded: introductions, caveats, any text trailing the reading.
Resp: 7:52
